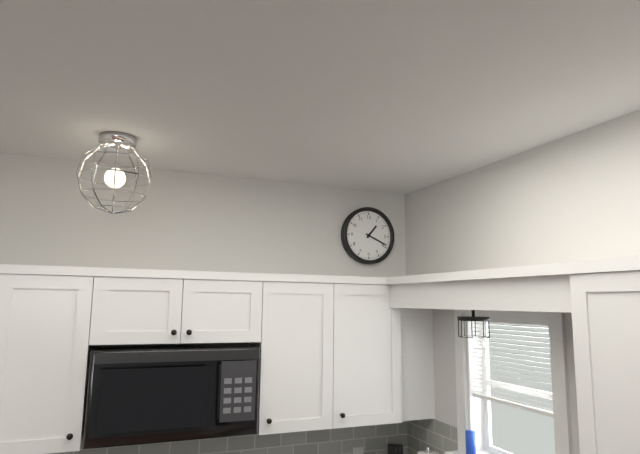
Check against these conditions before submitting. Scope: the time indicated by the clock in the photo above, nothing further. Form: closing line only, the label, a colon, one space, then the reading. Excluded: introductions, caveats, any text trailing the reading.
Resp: 1:19
